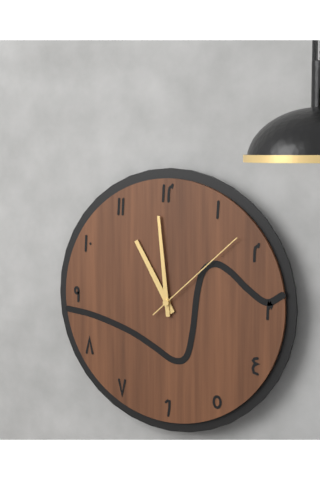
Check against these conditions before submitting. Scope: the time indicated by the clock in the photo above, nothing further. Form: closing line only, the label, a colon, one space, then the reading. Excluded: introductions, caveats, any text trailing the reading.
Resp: 10:59:08
